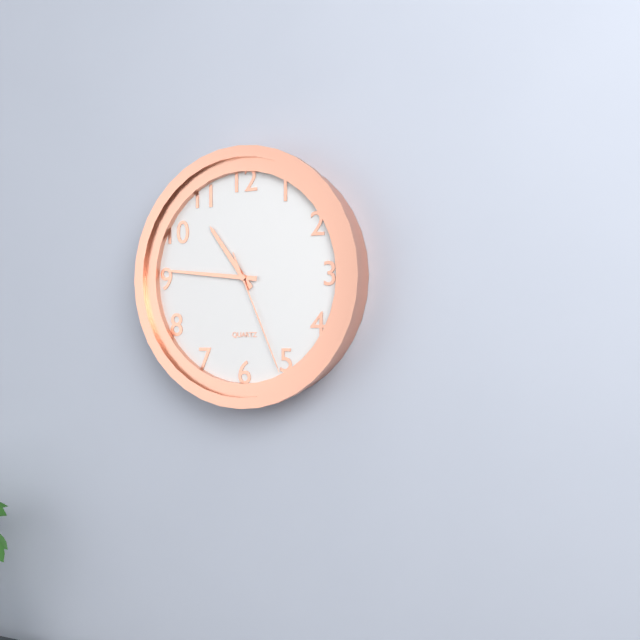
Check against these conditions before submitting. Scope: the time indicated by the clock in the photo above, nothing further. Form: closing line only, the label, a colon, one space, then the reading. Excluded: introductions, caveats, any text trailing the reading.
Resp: 10:46:26
